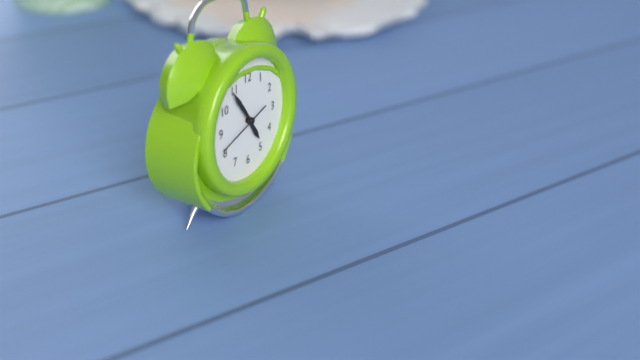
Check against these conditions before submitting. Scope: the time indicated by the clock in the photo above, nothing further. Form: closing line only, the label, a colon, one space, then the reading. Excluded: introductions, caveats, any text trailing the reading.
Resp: 4:54:42
